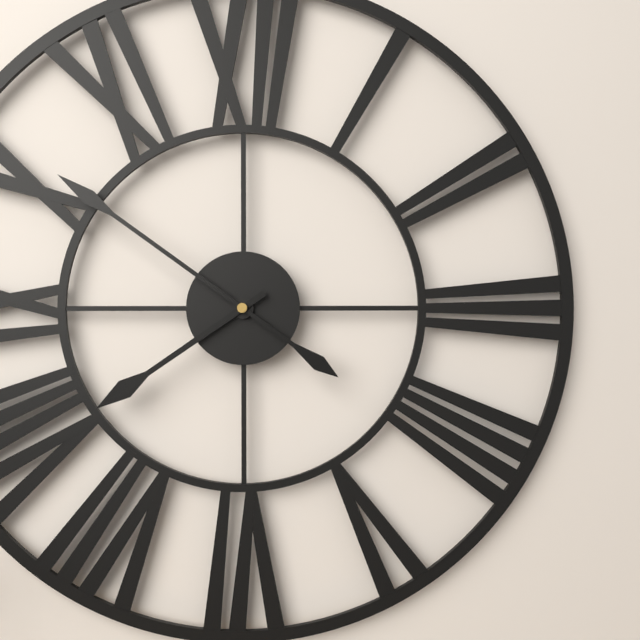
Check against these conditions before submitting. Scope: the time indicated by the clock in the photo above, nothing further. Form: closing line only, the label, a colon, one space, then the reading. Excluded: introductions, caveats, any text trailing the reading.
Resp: 7:51
